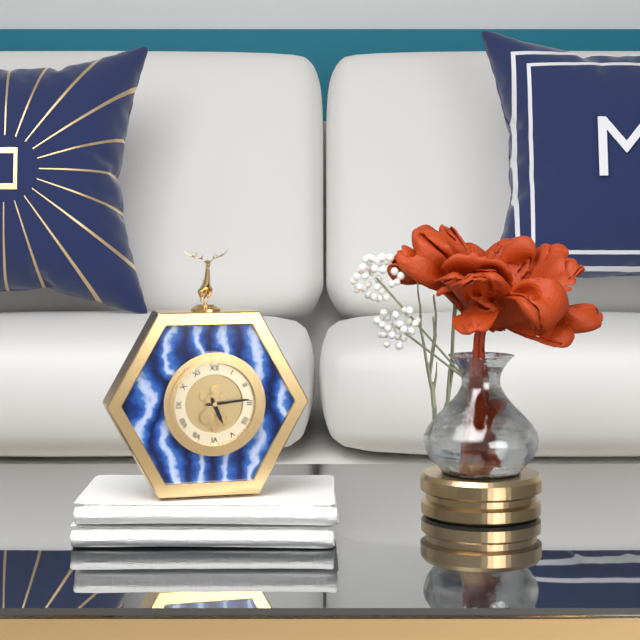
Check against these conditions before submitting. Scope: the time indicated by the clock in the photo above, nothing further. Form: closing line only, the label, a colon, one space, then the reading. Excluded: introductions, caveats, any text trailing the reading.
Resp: 5:14
